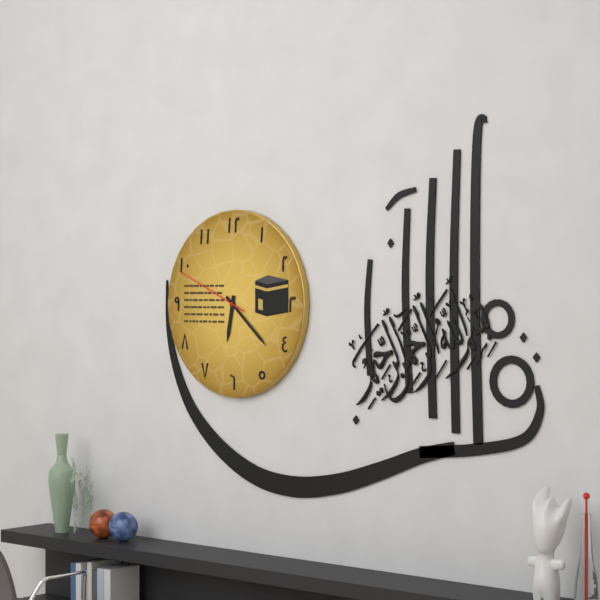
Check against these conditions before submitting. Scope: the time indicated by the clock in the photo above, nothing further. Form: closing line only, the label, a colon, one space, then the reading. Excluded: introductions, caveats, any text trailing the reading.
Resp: 6:22:49
